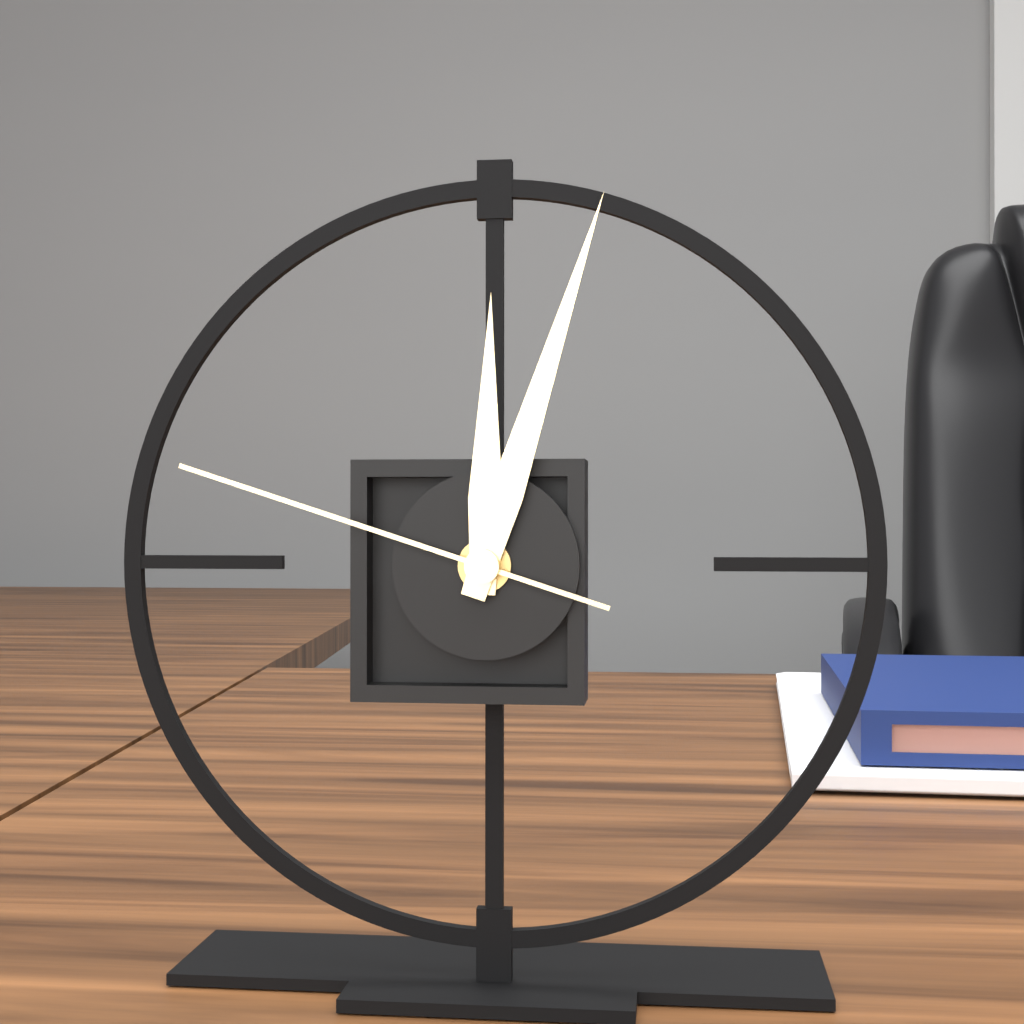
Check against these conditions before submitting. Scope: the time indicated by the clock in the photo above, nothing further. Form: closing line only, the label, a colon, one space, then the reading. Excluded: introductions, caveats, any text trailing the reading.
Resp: 12:03:48
